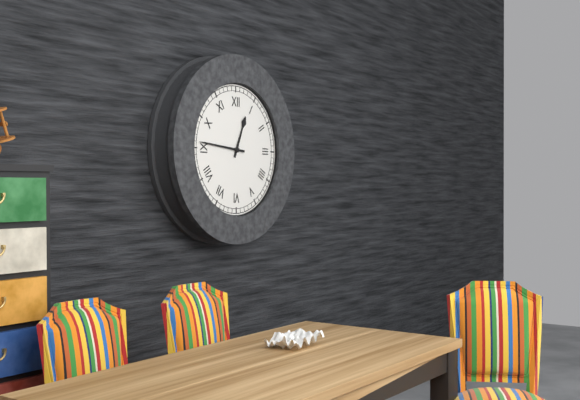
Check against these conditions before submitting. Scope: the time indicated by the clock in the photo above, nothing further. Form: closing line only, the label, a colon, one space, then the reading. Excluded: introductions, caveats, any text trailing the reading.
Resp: 12:46
